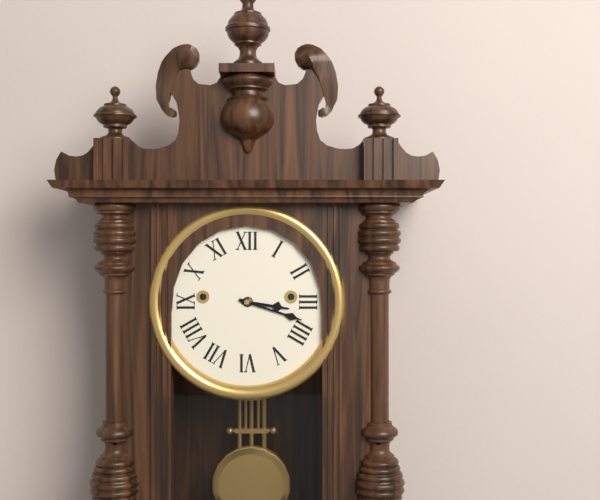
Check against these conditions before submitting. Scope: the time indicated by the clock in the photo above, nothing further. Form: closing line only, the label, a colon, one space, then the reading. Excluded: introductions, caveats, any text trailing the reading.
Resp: 3:18
